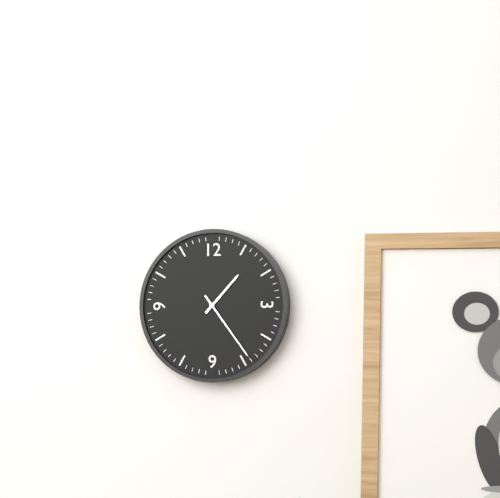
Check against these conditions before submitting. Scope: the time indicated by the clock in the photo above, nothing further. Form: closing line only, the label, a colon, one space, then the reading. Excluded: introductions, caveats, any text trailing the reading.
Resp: 1:24
